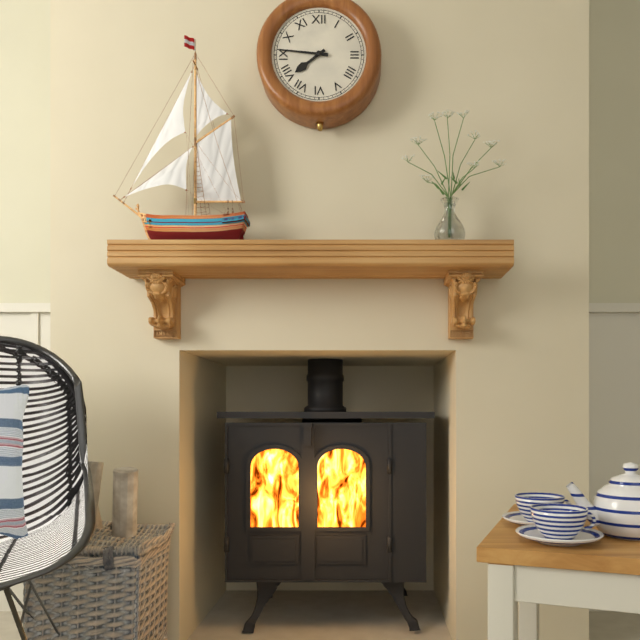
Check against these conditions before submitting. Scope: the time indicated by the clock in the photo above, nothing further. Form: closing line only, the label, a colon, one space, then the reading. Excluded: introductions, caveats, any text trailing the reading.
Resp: 7:46
